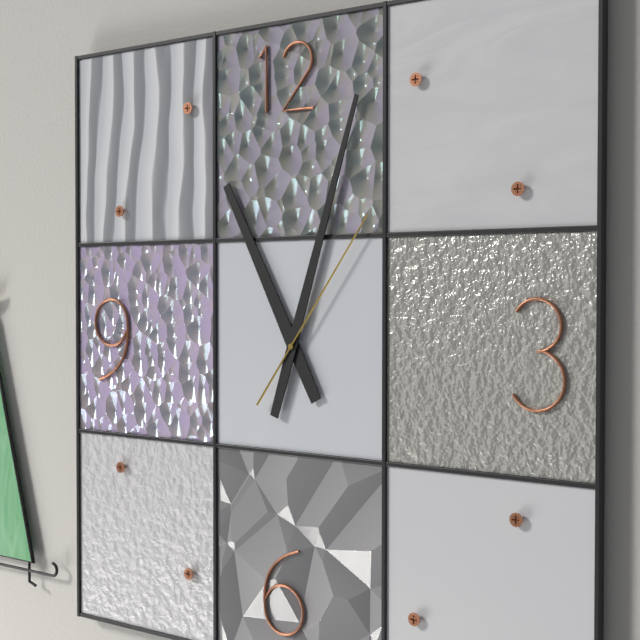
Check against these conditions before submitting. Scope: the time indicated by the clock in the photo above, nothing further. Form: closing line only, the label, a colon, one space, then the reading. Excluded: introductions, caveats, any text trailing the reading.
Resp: 11:03:06
